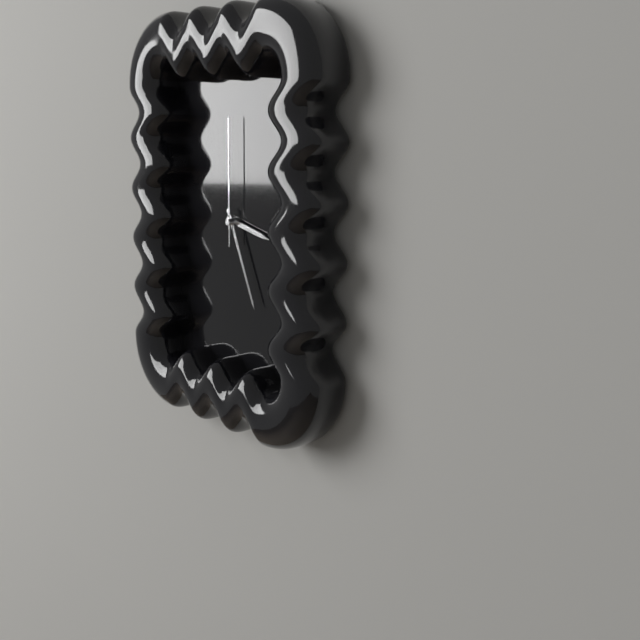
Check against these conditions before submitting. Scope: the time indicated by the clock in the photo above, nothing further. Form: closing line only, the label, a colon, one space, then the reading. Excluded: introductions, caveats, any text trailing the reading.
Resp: 3:26:00
